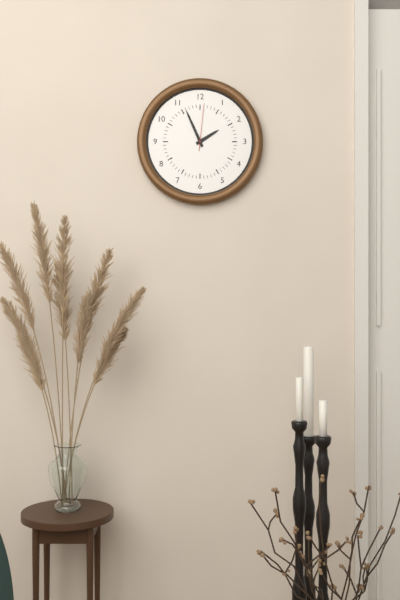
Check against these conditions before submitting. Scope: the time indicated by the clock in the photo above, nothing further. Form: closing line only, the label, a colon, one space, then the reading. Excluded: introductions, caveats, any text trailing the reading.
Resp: 1:56
